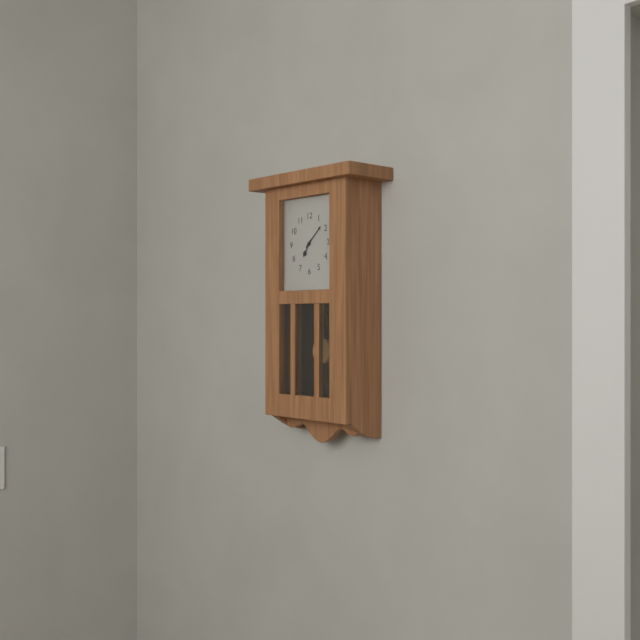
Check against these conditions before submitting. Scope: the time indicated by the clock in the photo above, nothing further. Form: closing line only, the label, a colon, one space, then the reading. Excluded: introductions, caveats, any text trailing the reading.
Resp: 7:08
